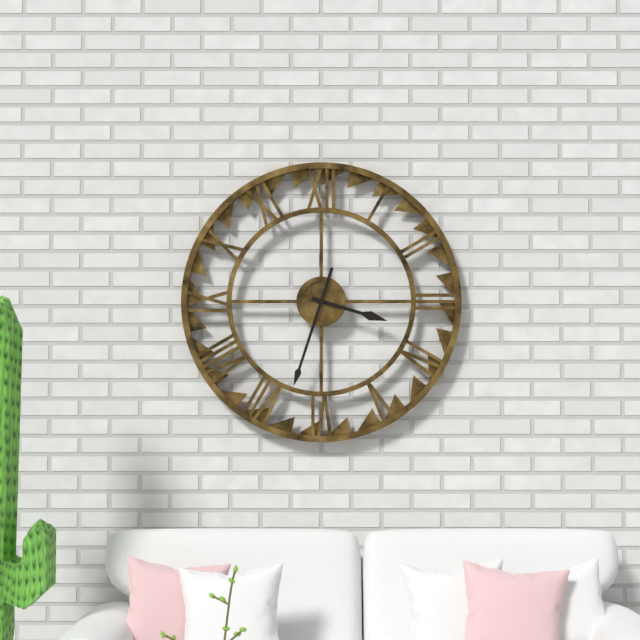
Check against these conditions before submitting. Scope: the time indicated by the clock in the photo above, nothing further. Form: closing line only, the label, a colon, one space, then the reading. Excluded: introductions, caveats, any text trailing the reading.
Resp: 3:33
